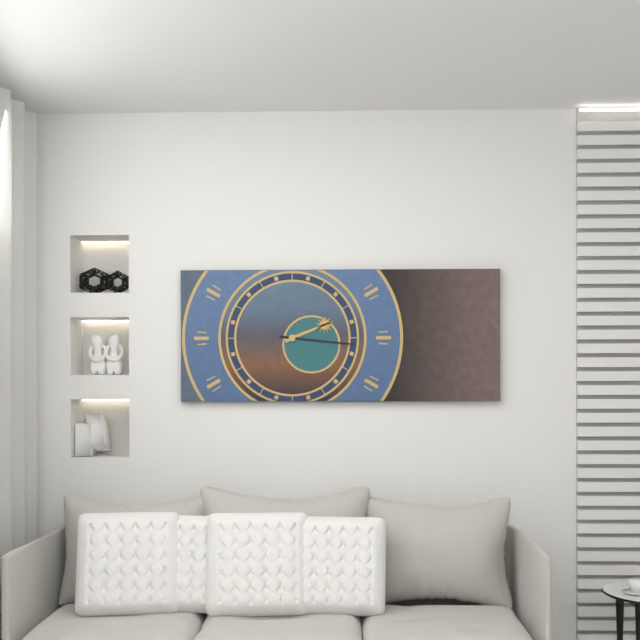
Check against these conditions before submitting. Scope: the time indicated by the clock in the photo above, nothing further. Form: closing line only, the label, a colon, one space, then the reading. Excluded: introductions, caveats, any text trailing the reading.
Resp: 2:16
